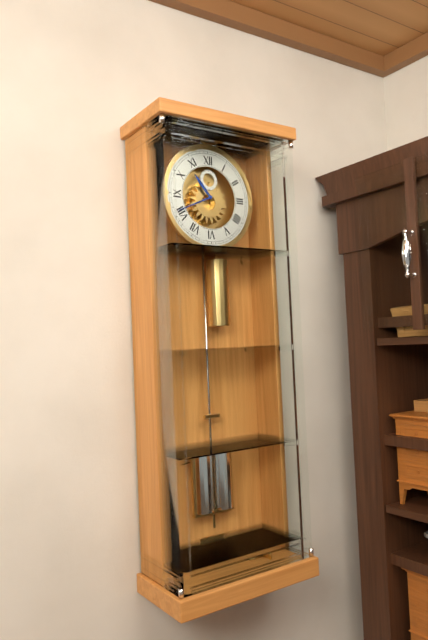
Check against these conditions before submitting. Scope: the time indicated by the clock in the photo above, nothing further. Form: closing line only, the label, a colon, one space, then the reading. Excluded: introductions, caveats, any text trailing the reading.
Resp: 10:41
